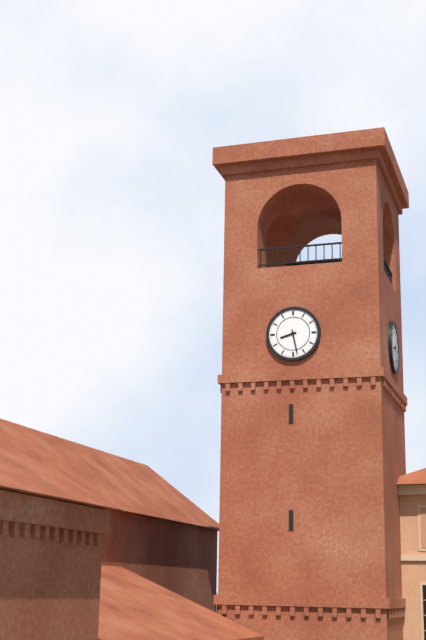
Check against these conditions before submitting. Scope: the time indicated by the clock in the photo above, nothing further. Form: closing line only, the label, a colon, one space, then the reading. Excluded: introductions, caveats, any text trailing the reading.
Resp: 8:28
